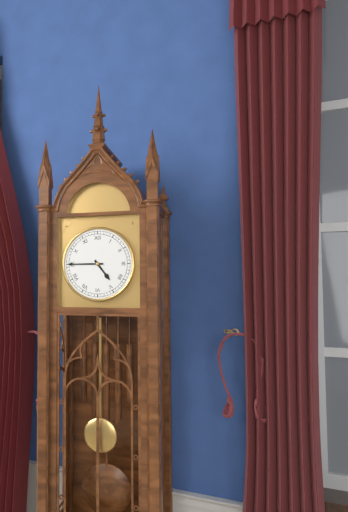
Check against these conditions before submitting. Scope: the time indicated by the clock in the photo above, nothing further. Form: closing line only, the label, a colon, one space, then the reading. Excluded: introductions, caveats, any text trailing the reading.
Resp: 4:45
